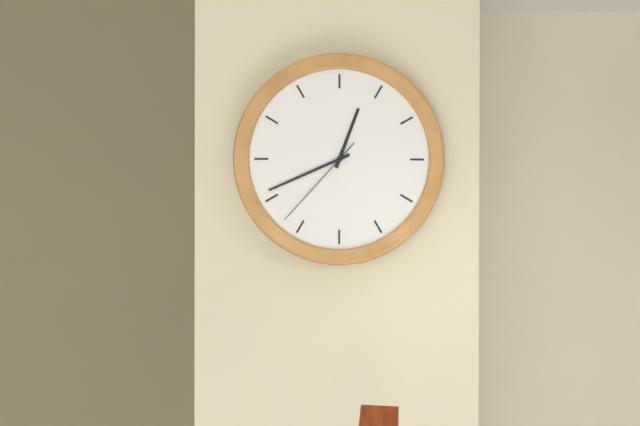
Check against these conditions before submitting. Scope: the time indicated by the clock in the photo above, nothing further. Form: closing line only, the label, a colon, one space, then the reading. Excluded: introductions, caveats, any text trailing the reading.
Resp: 12:41:37
